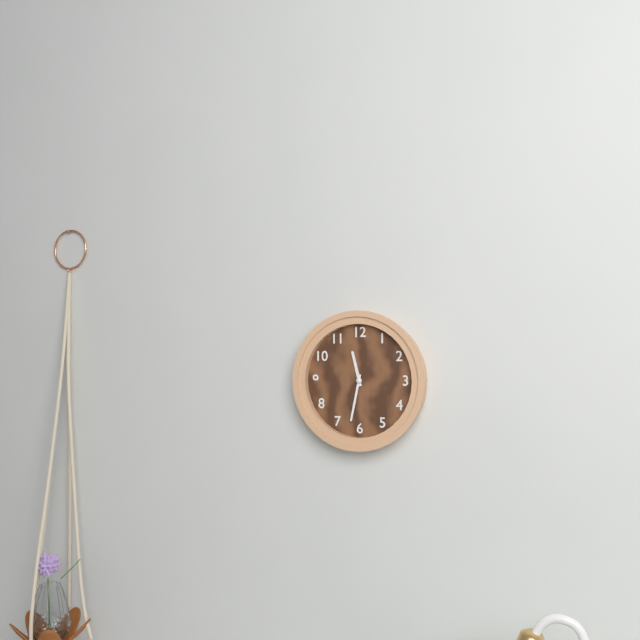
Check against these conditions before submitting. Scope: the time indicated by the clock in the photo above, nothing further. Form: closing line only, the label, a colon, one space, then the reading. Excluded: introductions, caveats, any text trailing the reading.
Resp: 11:32
